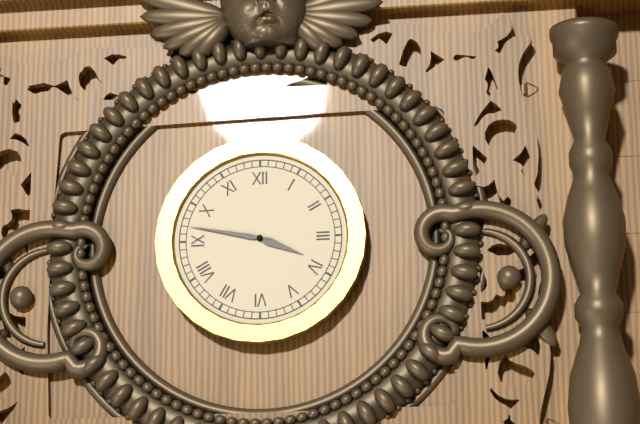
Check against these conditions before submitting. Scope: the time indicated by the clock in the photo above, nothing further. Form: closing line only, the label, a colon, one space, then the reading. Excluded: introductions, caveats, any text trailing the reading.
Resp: 3:47
